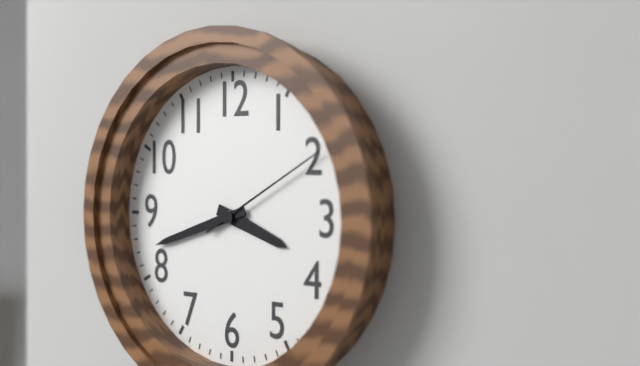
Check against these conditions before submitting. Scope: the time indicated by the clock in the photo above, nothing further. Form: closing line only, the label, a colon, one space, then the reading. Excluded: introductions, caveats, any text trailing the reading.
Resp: 3:42:10
